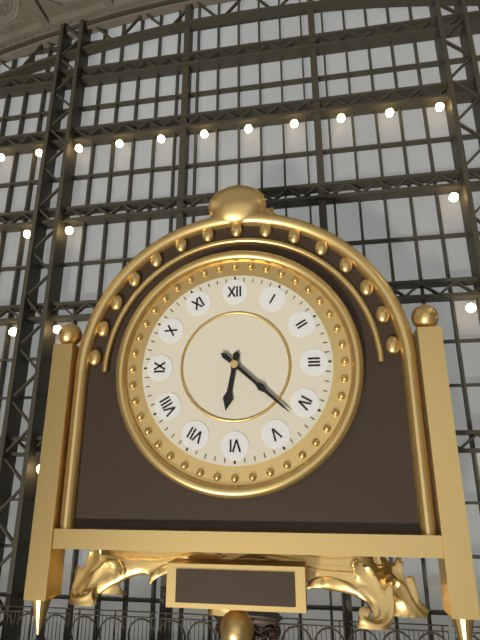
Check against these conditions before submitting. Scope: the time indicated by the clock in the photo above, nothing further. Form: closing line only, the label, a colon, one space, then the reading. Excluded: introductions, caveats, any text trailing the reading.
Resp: 6:22
